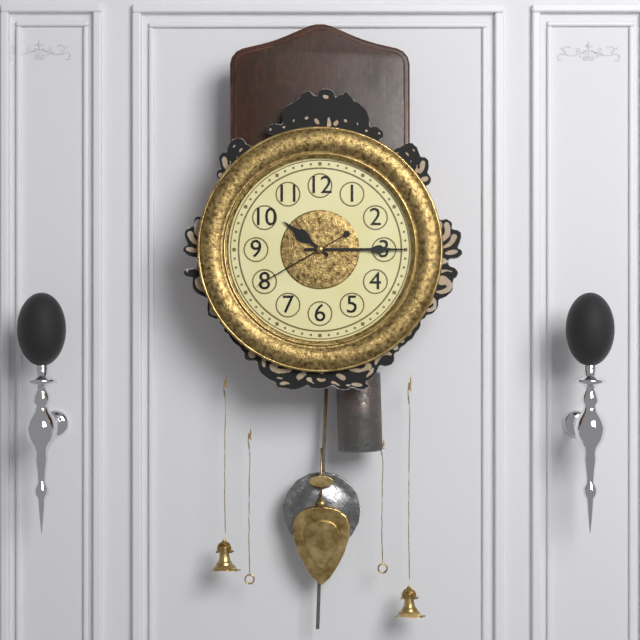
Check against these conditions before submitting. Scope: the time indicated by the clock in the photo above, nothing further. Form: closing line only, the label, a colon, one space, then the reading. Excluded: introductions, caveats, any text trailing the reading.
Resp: 10:15:40
